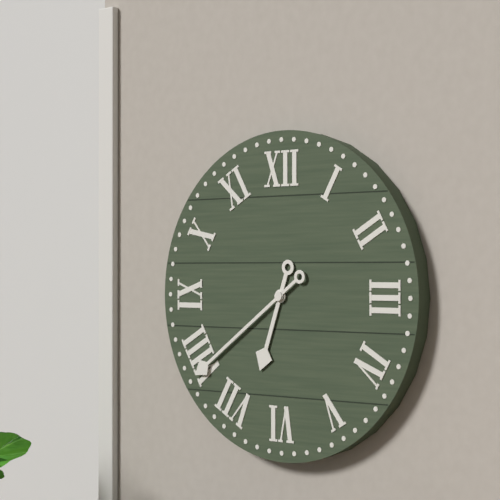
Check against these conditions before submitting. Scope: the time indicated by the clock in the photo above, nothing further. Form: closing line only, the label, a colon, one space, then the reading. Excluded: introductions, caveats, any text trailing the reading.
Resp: 6:39
